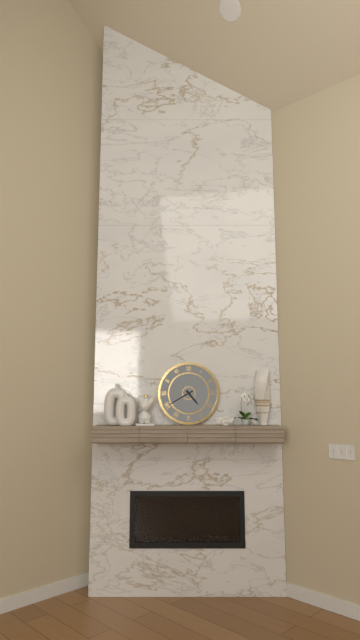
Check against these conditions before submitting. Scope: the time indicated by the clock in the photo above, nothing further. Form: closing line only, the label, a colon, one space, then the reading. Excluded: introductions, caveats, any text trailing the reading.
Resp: 4:40
